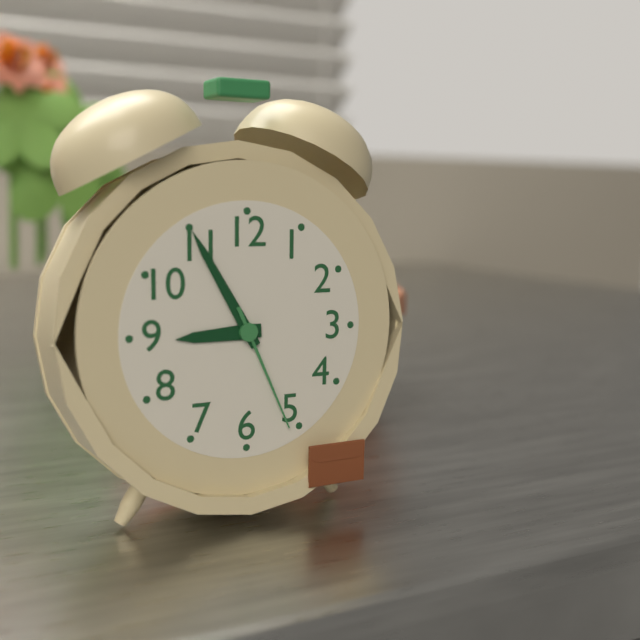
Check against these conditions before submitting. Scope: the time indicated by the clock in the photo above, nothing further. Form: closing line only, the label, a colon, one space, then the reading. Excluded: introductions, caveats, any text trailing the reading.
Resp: 8:55:26
